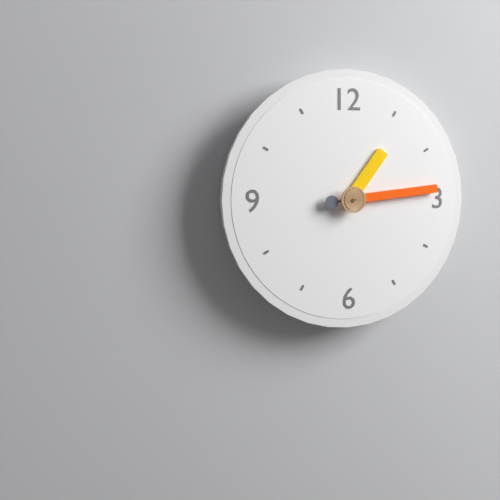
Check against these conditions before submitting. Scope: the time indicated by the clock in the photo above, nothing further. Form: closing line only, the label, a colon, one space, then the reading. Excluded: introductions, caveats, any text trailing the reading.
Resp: 1:14
